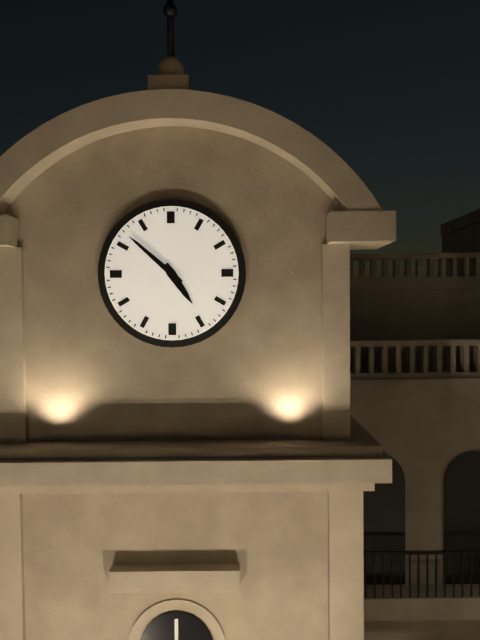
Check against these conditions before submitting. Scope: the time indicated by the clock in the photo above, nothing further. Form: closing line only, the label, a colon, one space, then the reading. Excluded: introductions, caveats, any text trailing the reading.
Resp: 4:52
